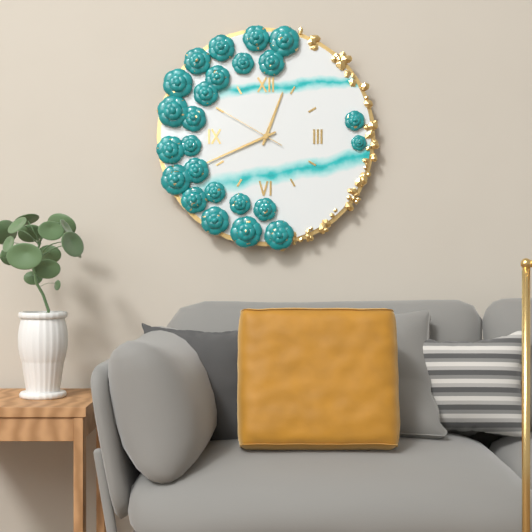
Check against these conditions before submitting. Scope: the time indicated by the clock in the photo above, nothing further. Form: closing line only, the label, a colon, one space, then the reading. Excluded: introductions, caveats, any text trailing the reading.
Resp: 12:41:50
